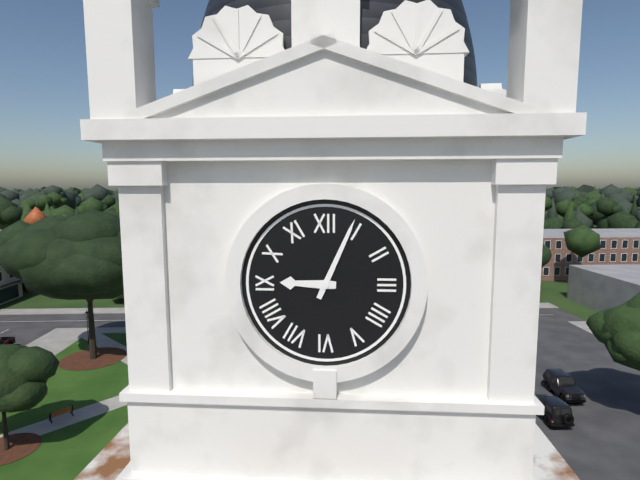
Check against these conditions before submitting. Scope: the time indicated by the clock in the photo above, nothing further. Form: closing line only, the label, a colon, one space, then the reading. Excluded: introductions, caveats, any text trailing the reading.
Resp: 9:04
